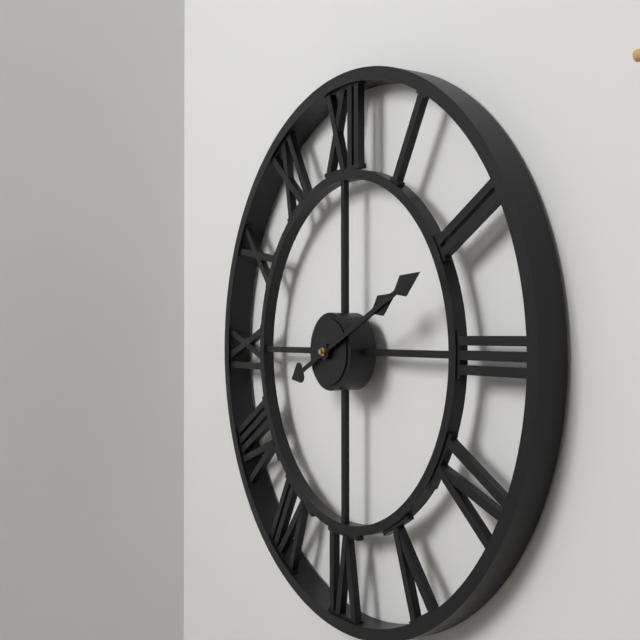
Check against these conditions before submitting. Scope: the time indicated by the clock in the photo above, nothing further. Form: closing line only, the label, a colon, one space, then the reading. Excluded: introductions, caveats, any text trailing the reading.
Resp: 2:11
